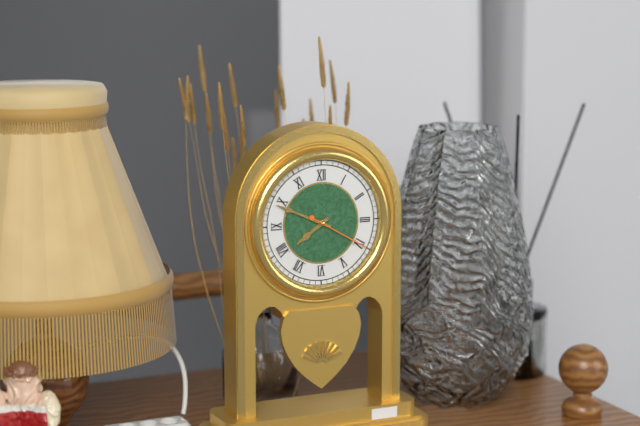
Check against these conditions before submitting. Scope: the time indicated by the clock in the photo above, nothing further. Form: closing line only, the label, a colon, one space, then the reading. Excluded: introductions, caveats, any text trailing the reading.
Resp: 7:49:20
